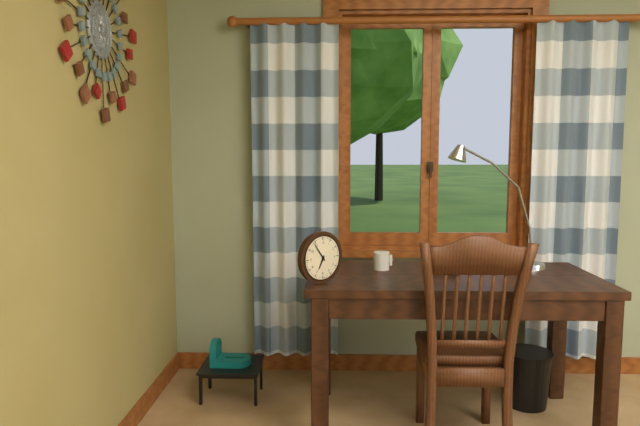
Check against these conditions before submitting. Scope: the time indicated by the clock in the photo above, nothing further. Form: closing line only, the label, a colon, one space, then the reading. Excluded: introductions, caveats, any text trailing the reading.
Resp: 6:54
